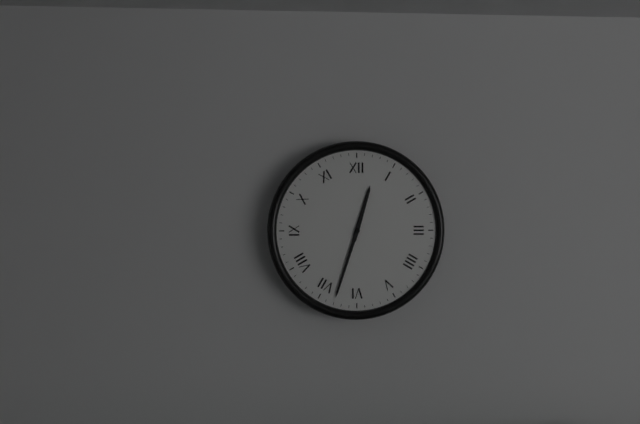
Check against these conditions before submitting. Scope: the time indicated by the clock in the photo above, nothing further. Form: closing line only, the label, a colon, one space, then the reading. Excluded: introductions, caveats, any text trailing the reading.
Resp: 12:33
